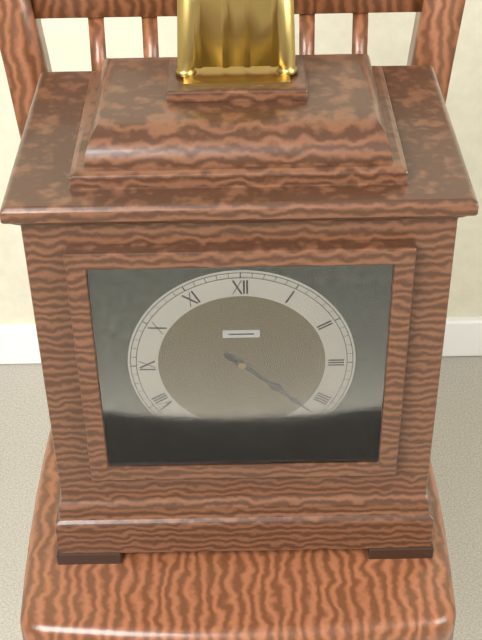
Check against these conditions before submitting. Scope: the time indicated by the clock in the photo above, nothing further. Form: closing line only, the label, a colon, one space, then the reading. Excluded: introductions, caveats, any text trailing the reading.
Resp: 4:22
